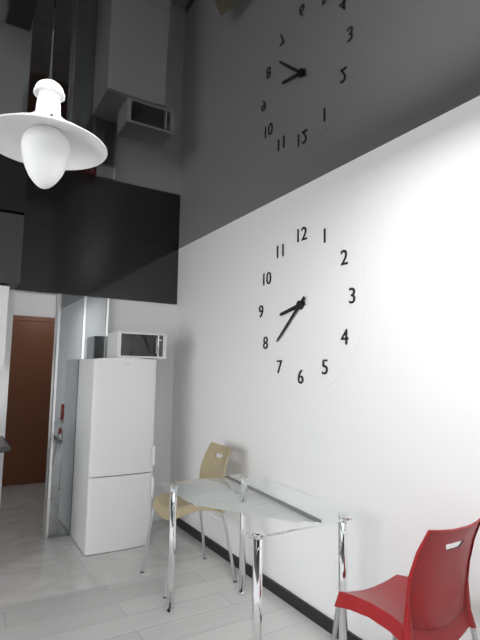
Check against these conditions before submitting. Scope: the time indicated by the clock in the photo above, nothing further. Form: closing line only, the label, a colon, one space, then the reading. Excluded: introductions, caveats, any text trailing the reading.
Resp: 8:38
